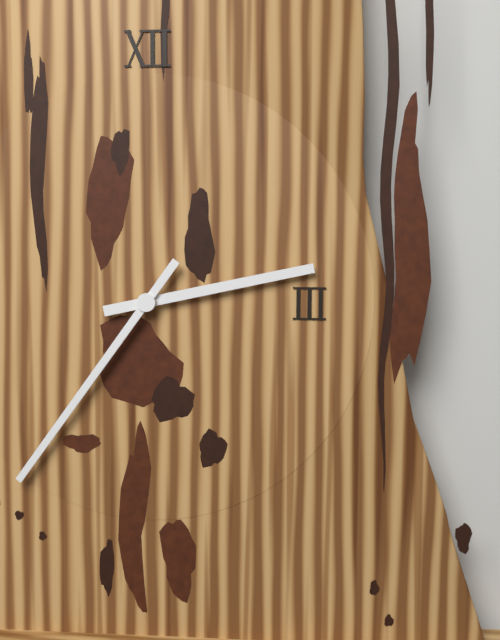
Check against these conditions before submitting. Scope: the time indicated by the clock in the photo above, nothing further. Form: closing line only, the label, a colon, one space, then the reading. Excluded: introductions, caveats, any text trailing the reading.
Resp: 2:36
